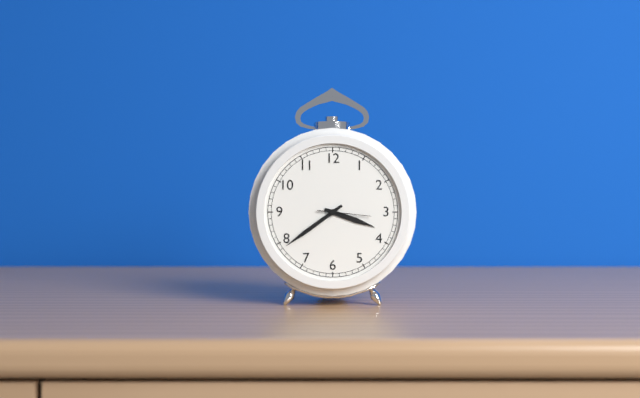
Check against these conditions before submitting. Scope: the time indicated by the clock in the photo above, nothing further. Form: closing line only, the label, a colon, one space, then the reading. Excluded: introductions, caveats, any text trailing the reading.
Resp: 3:39
